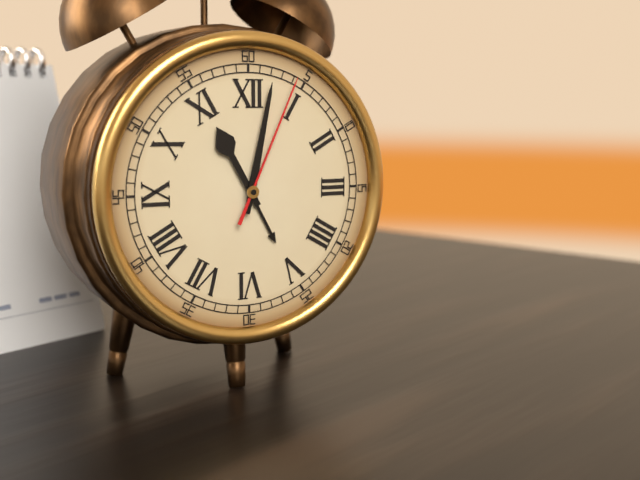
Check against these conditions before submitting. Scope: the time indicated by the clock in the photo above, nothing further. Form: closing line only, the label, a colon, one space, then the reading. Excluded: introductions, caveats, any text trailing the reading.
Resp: 11:02:04
